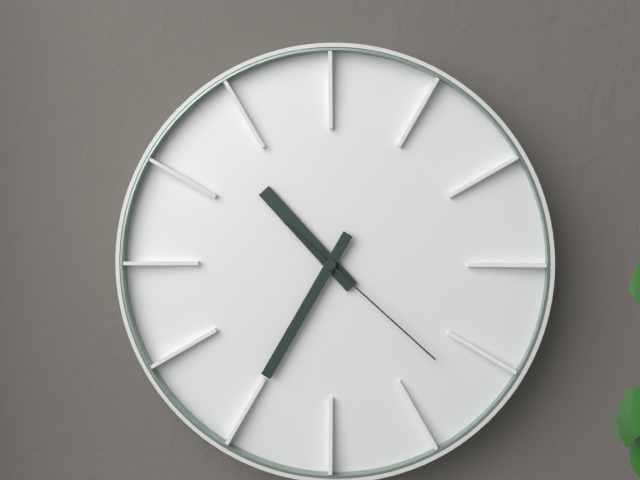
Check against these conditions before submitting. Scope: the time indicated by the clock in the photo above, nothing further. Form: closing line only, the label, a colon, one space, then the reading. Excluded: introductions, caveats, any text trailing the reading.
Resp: 10:35:22
